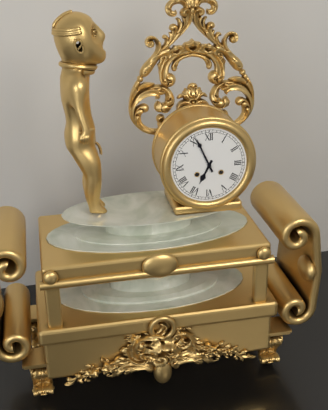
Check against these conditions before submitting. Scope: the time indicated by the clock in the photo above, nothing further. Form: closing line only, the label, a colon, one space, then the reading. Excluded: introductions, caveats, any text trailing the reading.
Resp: 6:56
